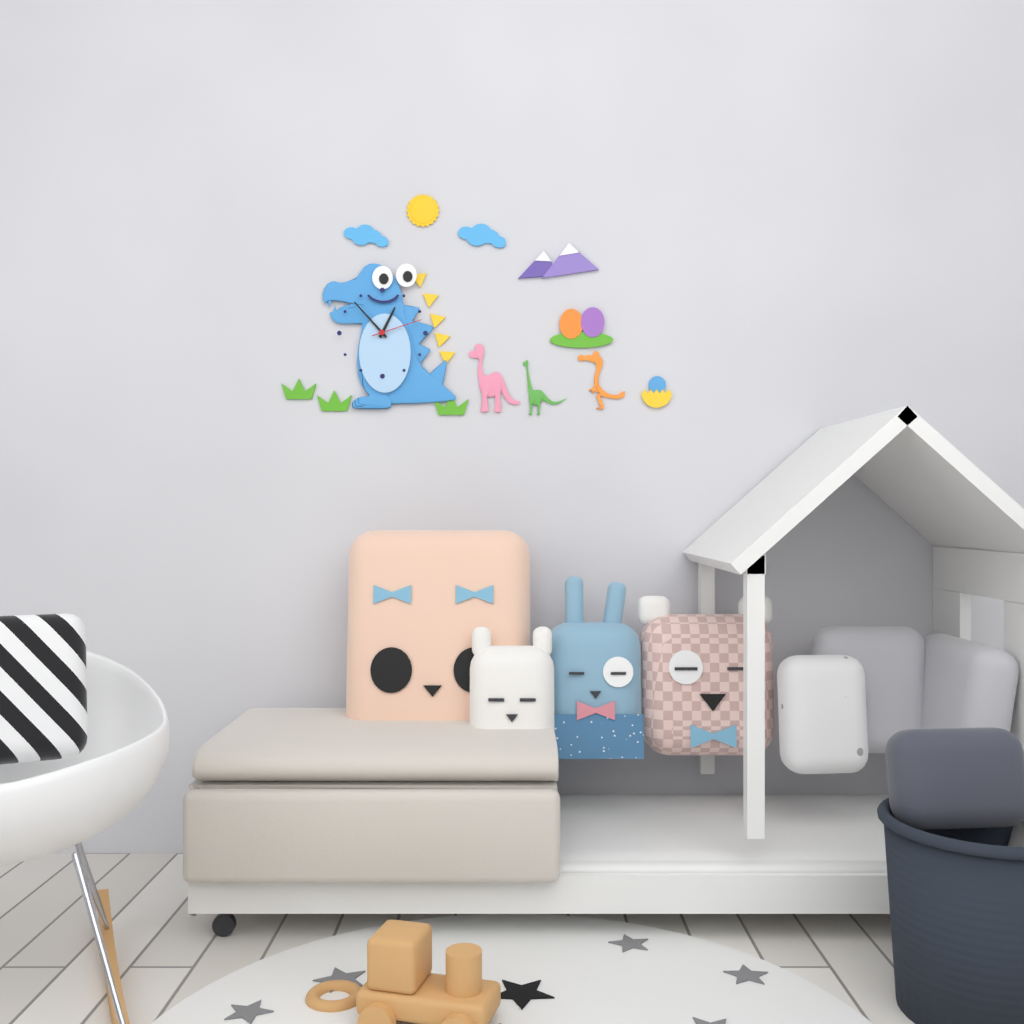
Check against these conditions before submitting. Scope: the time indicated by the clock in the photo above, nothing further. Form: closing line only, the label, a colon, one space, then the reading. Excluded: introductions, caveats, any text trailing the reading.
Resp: 12:53:12
